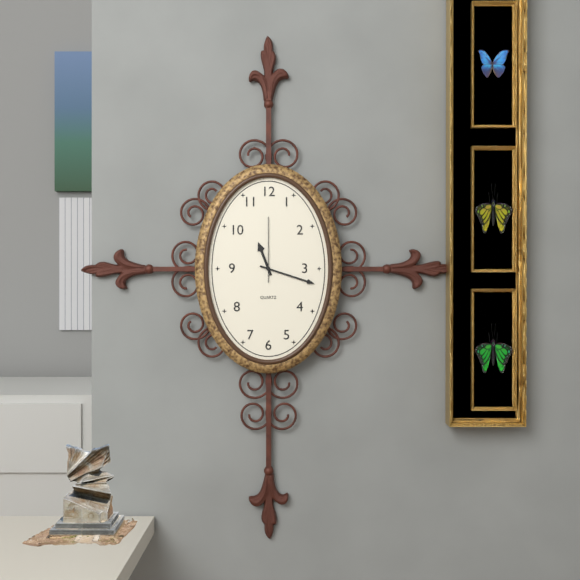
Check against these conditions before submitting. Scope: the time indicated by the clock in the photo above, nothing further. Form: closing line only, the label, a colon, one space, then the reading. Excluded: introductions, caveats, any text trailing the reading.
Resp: 11:18:00
